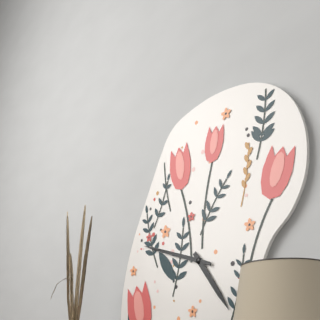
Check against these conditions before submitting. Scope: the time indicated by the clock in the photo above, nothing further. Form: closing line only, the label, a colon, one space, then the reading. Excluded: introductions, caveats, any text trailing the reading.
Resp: 4:48
